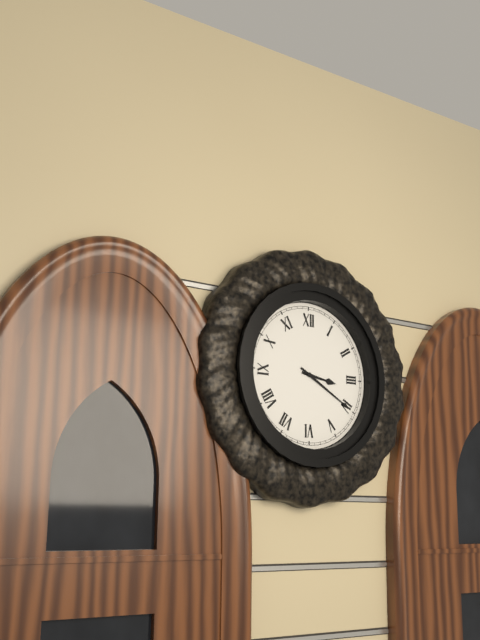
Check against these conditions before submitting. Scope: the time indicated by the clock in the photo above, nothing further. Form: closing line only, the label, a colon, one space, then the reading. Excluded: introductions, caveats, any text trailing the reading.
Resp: 3:20
